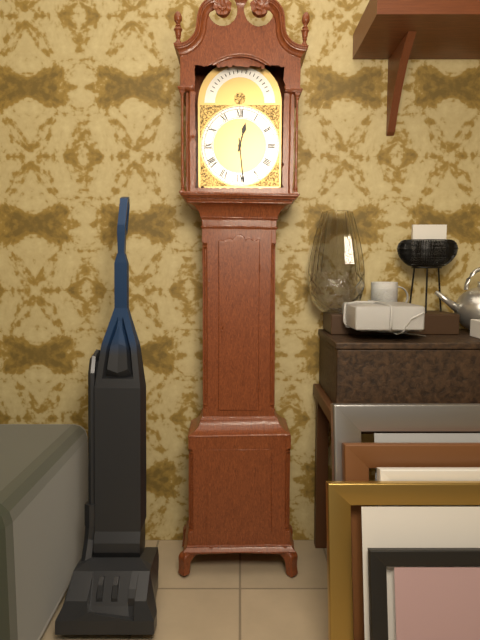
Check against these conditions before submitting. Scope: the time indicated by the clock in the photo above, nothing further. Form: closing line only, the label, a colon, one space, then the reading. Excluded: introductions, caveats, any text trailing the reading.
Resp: 12:29
